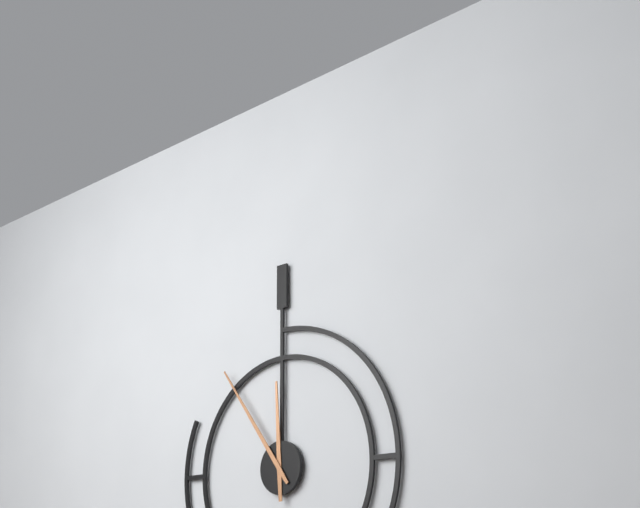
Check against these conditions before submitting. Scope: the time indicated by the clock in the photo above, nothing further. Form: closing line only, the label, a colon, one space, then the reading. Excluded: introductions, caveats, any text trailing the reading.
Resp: 11:54
